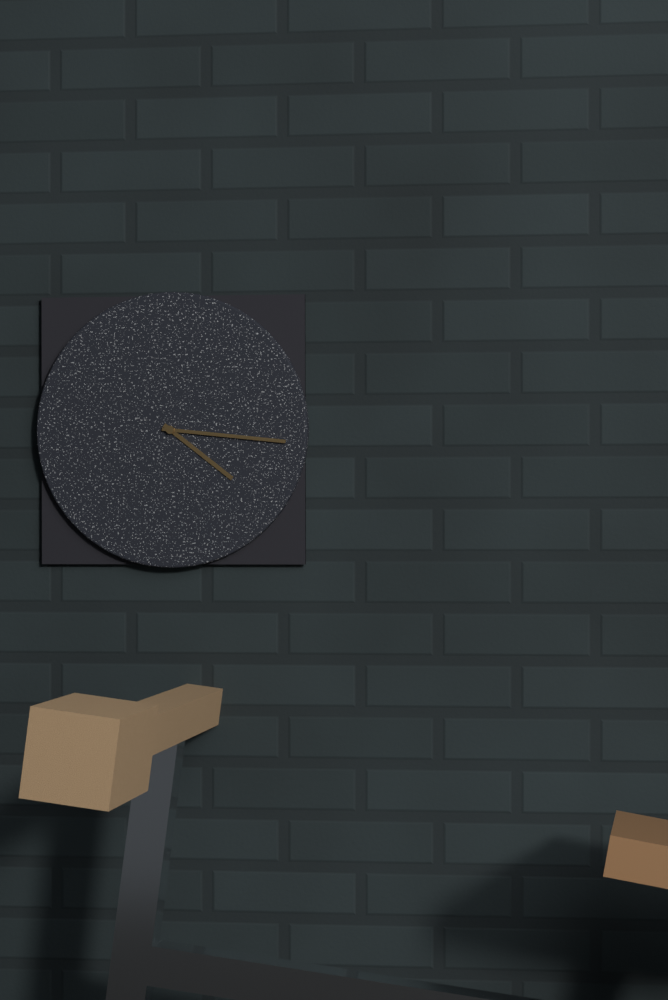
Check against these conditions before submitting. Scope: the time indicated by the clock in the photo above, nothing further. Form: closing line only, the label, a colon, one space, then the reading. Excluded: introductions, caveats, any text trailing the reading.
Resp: 4:16
